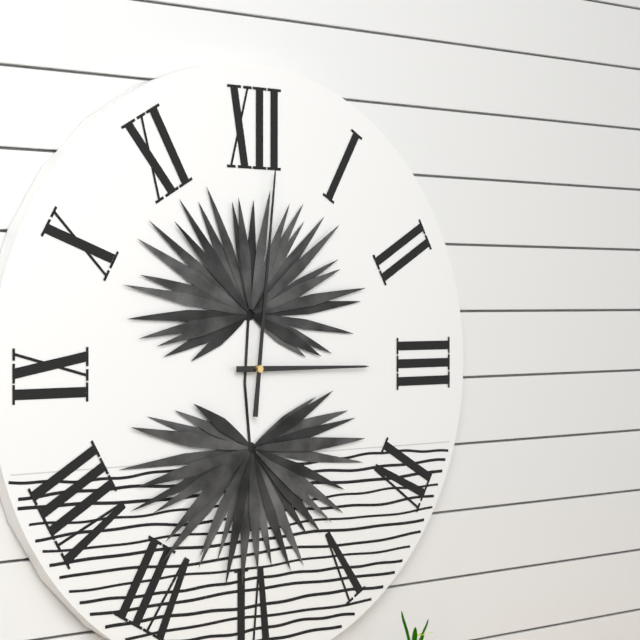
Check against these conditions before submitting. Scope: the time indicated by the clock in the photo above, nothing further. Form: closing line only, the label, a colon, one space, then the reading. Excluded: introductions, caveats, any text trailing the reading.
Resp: 3:01
